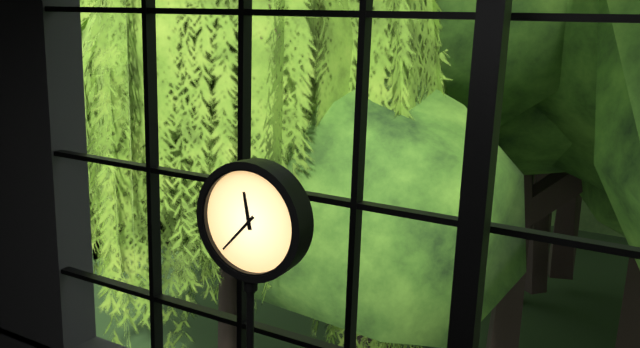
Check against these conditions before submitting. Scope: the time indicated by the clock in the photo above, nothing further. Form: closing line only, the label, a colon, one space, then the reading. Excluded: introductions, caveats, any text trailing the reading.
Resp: 11:37
